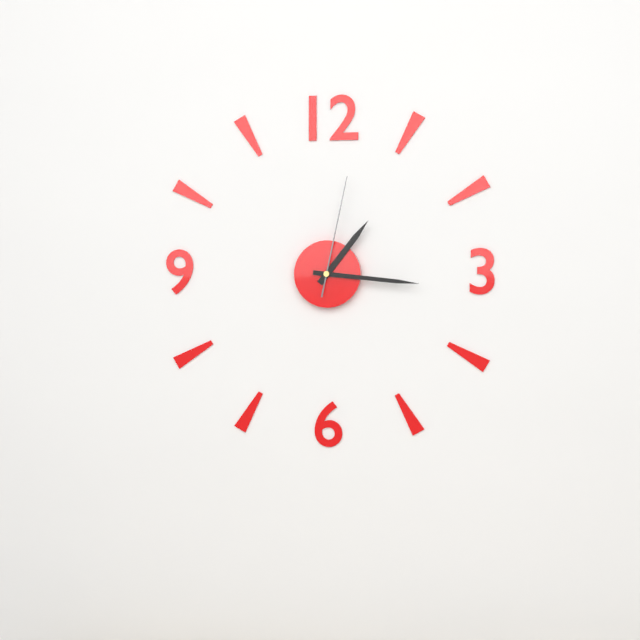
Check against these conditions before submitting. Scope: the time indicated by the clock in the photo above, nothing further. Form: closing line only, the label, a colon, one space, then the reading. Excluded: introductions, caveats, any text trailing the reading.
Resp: 1:16:02
